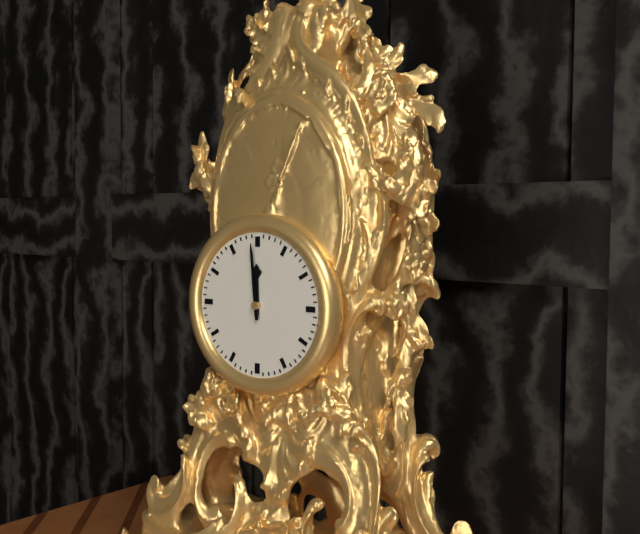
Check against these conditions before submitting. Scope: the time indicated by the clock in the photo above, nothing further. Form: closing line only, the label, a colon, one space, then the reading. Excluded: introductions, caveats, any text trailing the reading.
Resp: 11:59
